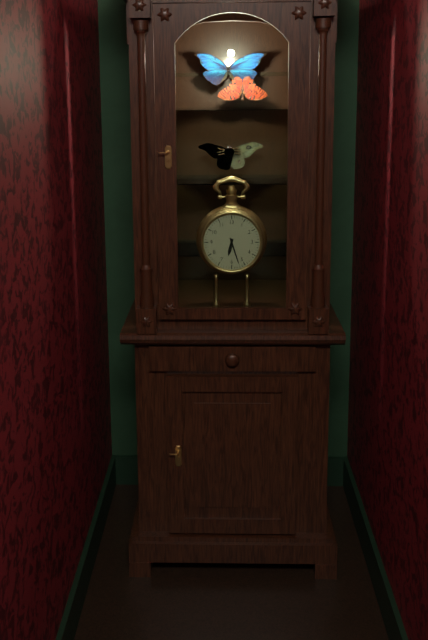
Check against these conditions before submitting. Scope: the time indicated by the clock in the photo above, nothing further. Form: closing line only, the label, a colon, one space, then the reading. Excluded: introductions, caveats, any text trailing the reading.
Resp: 6:27
